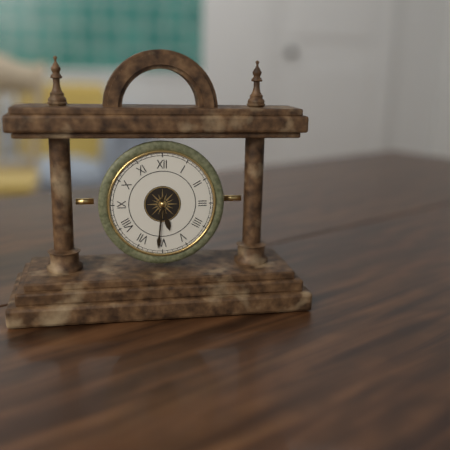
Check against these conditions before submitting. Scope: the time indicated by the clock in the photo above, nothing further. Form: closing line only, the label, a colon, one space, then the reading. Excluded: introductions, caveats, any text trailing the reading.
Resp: 5:31
